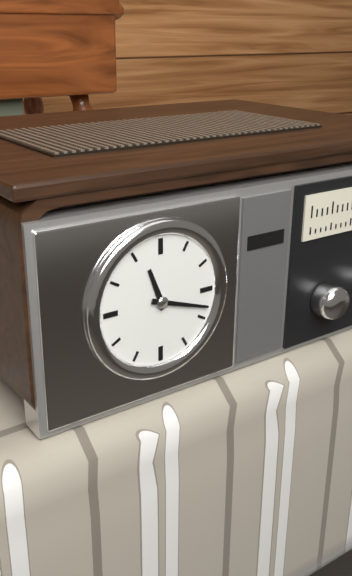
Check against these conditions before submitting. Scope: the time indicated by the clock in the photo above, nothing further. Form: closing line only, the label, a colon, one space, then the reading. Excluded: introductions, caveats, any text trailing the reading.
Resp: 11:18
